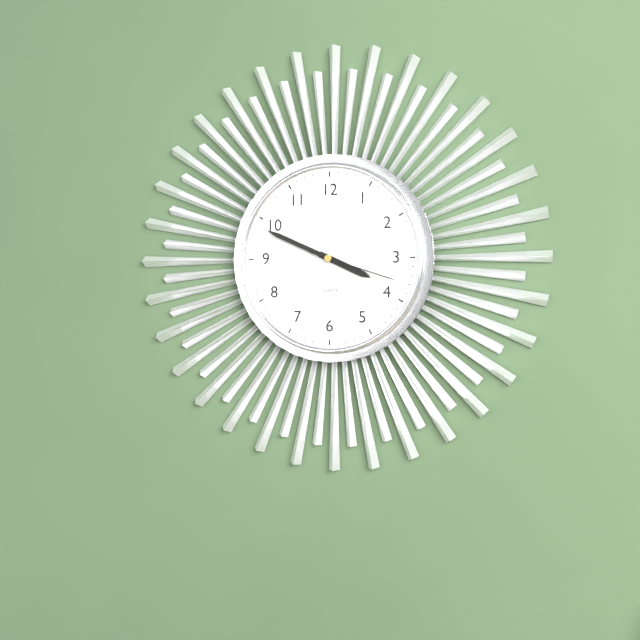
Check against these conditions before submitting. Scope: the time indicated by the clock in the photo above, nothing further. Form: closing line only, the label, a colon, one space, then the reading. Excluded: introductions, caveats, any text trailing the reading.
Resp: 3:49:18
